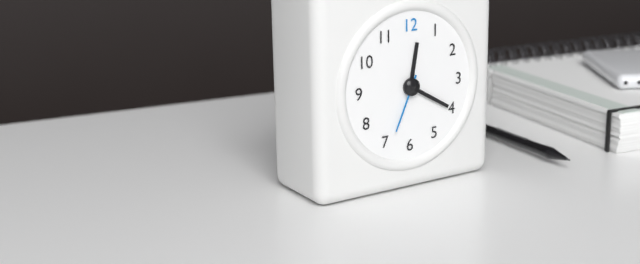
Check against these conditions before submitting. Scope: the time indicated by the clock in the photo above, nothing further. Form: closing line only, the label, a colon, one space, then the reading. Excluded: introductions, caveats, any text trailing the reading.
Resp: 12:20:34
